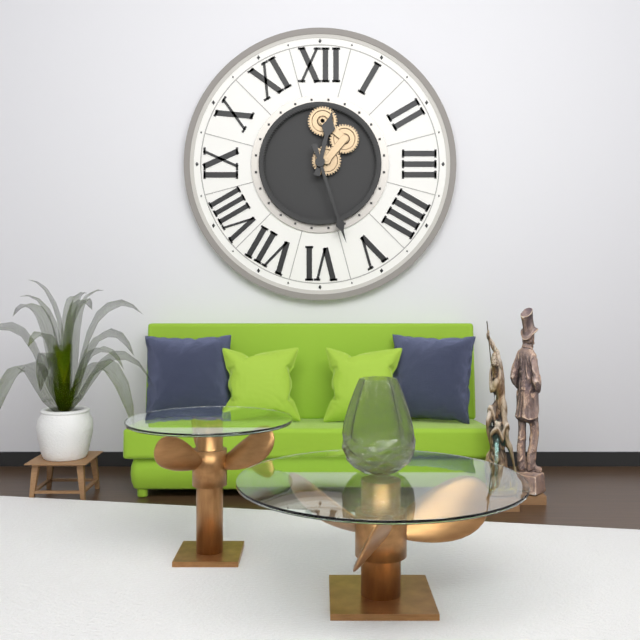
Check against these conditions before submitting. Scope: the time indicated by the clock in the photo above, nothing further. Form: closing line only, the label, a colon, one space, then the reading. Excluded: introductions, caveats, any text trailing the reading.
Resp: 12:27
